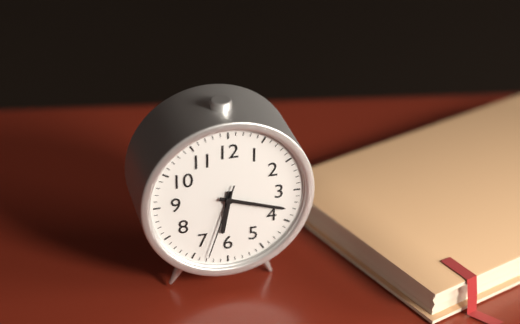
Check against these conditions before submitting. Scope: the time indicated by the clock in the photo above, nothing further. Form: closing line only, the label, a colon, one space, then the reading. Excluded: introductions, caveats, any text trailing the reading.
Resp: 6:18:33
